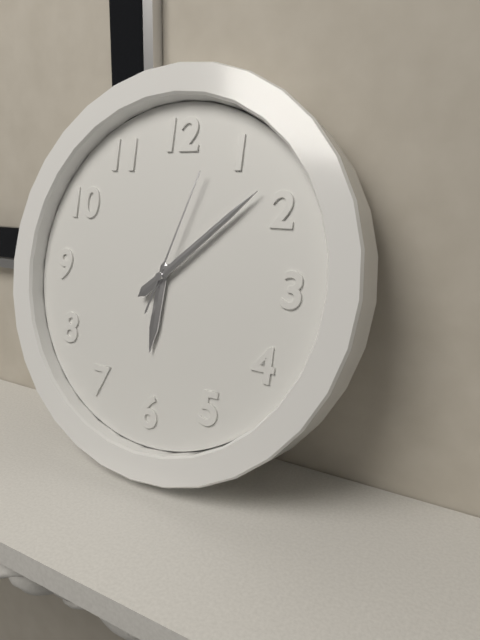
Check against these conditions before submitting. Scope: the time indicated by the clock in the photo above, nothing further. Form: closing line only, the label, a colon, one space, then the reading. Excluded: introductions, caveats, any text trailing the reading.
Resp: 6:08:03
